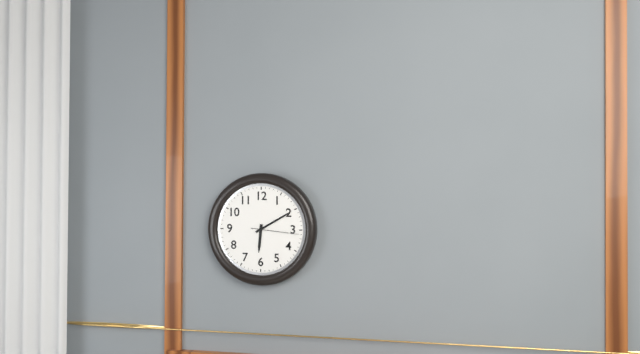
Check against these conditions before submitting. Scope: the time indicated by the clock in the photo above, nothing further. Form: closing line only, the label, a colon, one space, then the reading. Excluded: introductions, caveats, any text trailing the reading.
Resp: 6:10
